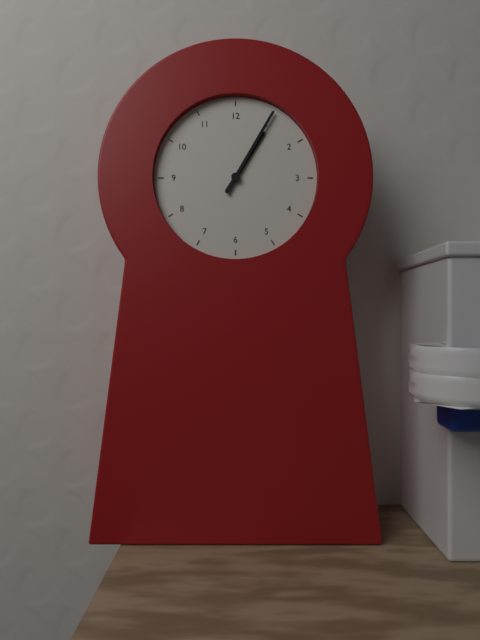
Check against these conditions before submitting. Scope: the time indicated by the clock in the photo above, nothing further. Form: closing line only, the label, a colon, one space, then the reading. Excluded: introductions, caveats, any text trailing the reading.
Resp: 1:05
